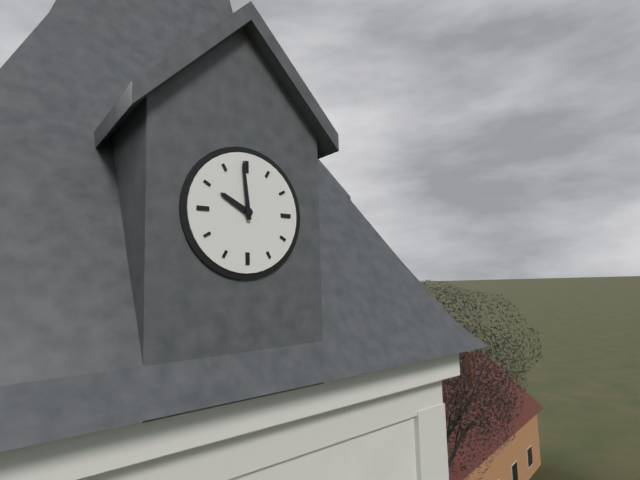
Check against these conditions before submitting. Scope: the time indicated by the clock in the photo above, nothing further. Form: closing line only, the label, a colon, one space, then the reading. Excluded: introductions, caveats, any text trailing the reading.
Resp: 9:59
